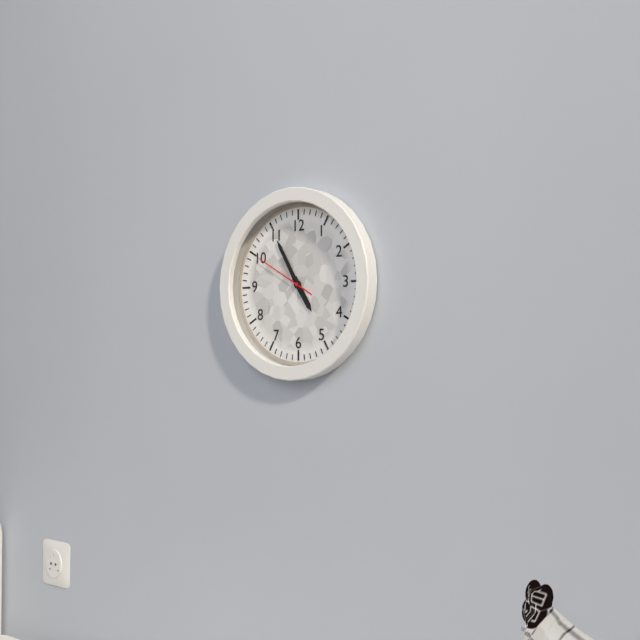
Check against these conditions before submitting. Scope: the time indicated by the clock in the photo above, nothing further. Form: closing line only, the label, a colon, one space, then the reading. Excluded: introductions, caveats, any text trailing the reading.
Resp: 4:55:50
